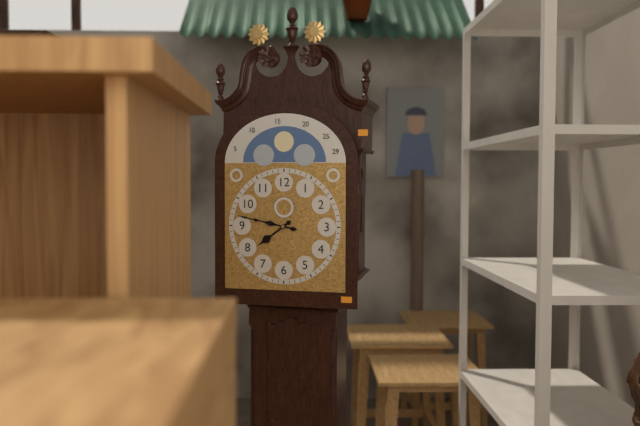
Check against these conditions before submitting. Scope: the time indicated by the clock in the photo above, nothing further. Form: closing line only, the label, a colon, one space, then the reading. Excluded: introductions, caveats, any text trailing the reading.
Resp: 7:47
